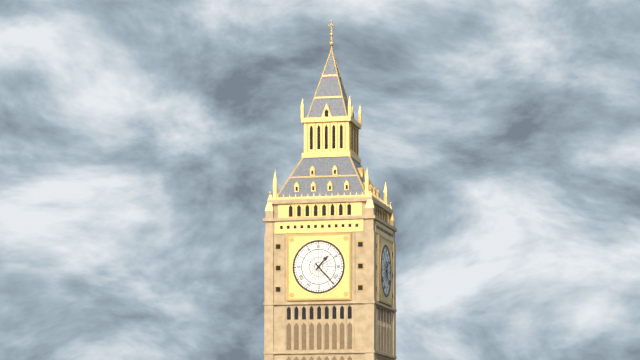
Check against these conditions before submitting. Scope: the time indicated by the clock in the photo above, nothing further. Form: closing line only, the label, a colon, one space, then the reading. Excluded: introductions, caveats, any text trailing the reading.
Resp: 1:23
